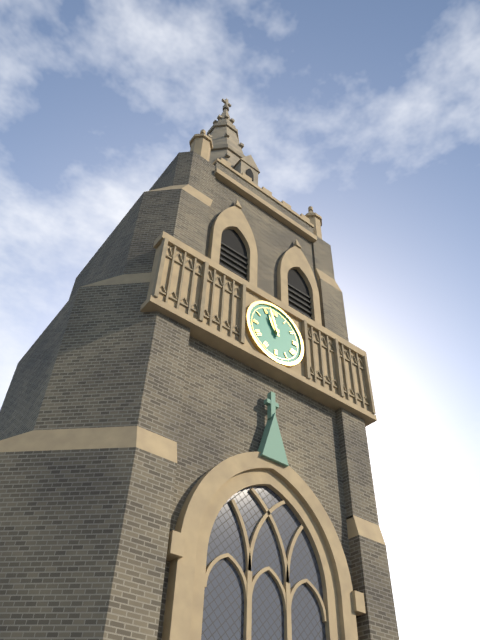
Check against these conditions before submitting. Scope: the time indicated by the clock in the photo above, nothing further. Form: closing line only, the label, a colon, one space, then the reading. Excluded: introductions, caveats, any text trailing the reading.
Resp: 10:57
